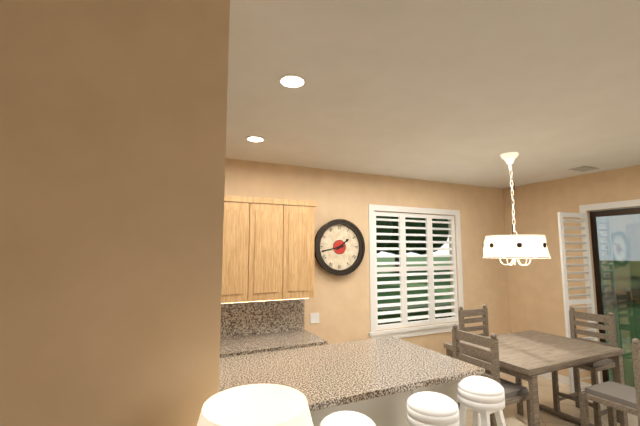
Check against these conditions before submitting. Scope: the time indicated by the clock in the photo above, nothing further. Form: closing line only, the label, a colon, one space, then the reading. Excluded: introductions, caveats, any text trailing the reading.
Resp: 1:43
